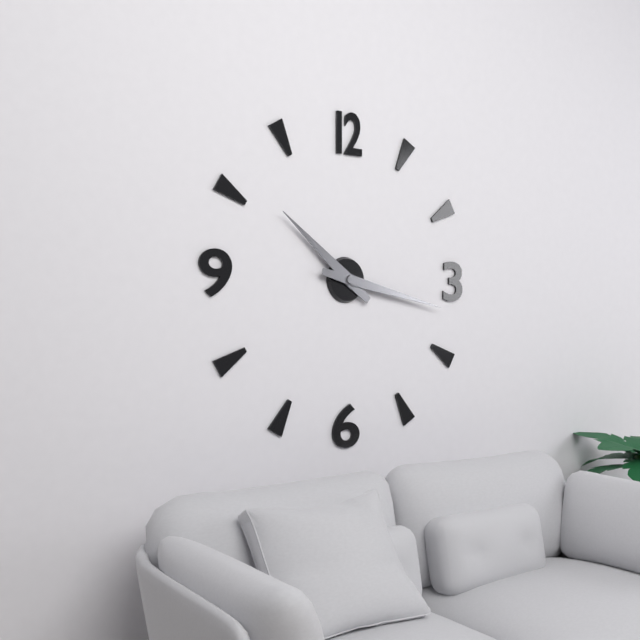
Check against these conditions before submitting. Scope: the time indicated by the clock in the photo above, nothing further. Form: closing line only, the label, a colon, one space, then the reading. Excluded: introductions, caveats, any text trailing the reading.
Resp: 10:17
